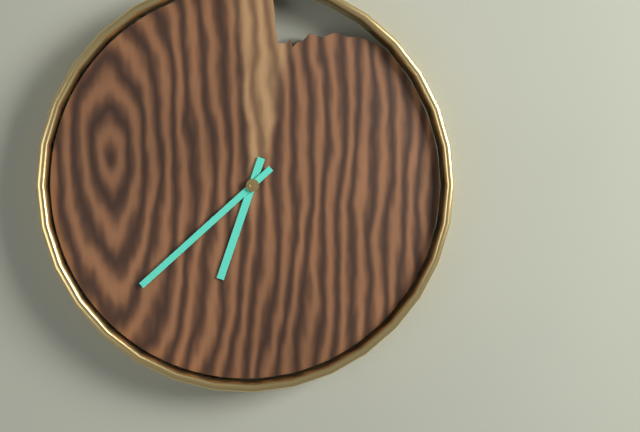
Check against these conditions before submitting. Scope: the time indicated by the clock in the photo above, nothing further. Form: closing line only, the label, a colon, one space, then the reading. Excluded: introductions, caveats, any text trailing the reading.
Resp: 6:38
